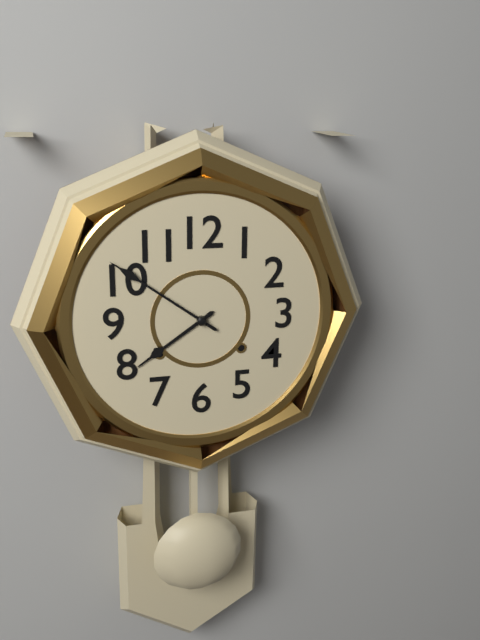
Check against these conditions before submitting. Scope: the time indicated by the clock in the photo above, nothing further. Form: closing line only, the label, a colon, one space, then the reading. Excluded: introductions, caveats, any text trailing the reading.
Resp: 7:51
